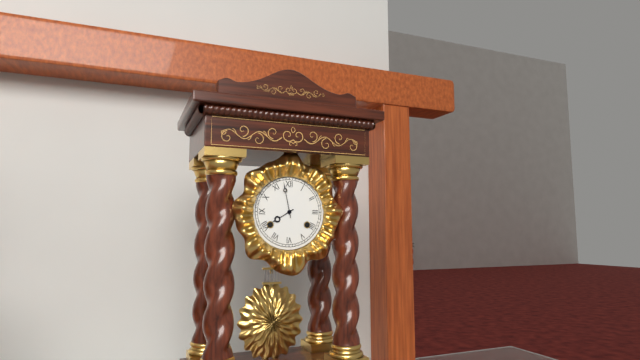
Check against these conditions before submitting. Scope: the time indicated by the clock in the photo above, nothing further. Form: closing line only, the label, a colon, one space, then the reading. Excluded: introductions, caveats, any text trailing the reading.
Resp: 7:58
